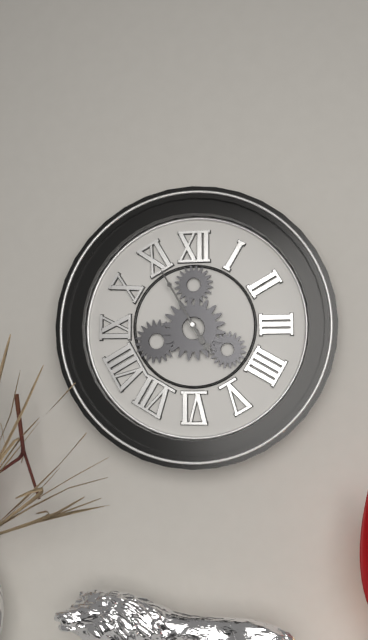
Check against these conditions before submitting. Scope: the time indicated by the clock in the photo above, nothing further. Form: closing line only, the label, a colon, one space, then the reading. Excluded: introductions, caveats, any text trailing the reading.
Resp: 4:55
